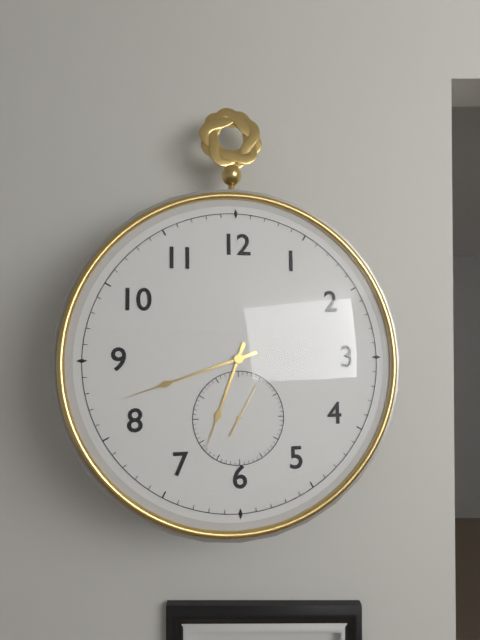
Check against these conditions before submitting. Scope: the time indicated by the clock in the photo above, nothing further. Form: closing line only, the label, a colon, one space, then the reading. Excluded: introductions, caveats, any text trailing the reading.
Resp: 6:42
